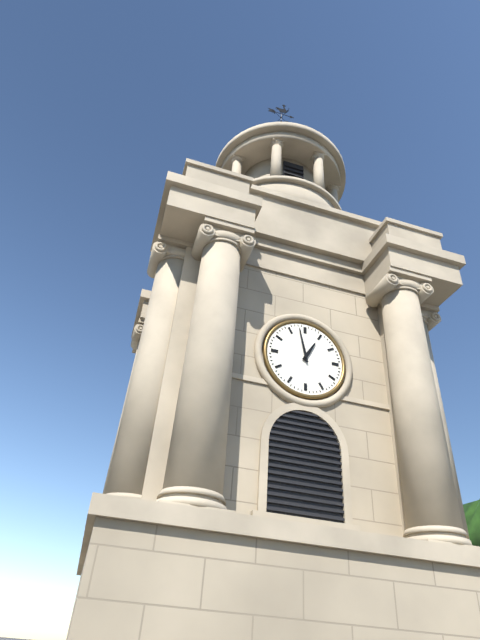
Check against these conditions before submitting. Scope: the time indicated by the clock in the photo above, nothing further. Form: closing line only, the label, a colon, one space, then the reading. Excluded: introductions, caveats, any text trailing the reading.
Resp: 12:58
